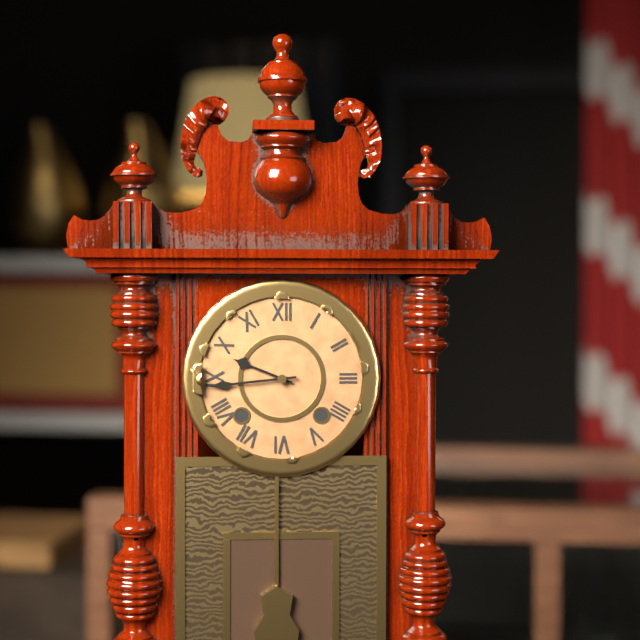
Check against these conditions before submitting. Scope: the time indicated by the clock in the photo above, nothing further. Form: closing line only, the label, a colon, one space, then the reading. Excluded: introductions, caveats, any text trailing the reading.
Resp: 9:44
